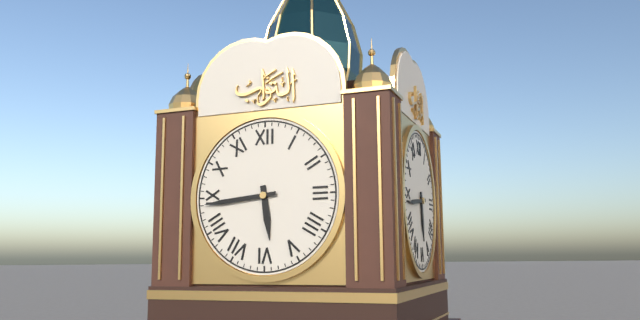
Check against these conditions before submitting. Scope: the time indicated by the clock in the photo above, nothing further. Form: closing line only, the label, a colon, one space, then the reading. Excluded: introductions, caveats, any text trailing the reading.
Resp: 5:44
